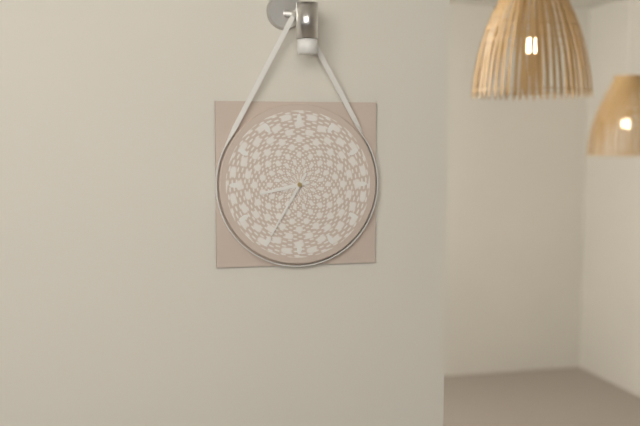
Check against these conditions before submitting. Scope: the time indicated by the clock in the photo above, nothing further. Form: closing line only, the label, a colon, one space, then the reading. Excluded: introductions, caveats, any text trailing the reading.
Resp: 8:35
